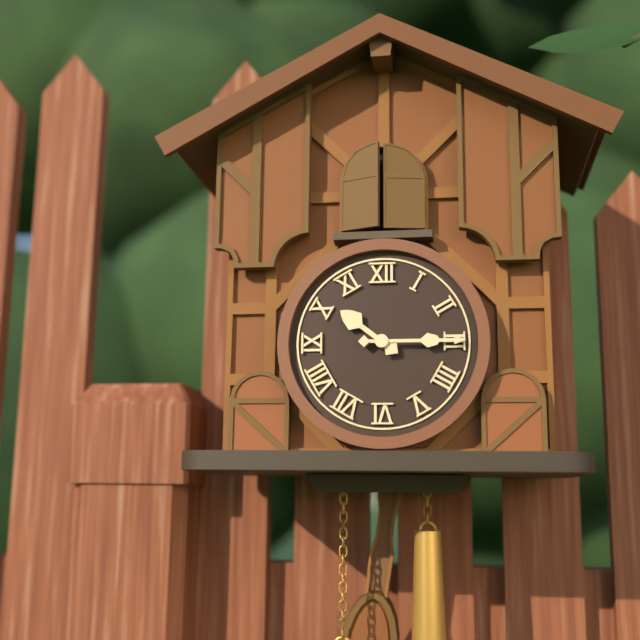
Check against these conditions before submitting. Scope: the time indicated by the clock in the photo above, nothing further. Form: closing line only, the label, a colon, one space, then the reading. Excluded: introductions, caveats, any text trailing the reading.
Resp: 10:15
